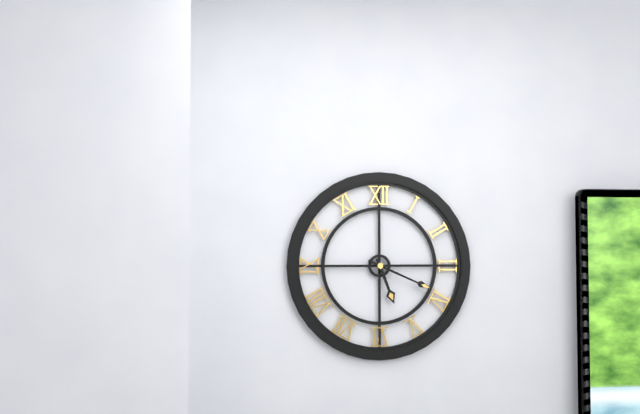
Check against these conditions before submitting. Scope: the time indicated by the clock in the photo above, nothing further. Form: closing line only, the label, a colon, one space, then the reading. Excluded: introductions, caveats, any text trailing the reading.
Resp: 5:19
